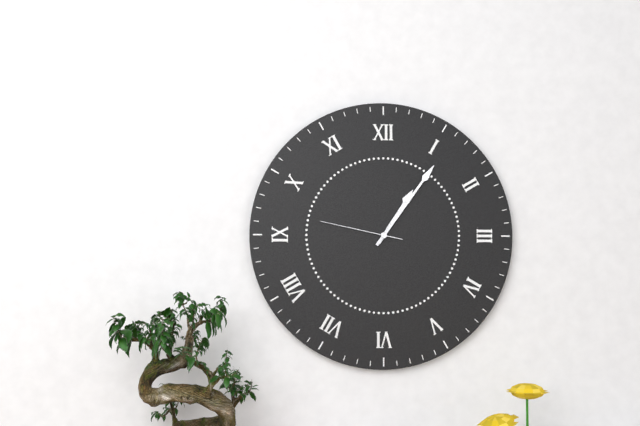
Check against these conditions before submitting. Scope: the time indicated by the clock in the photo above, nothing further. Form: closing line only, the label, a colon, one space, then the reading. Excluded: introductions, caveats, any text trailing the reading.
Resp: 1:06:47
